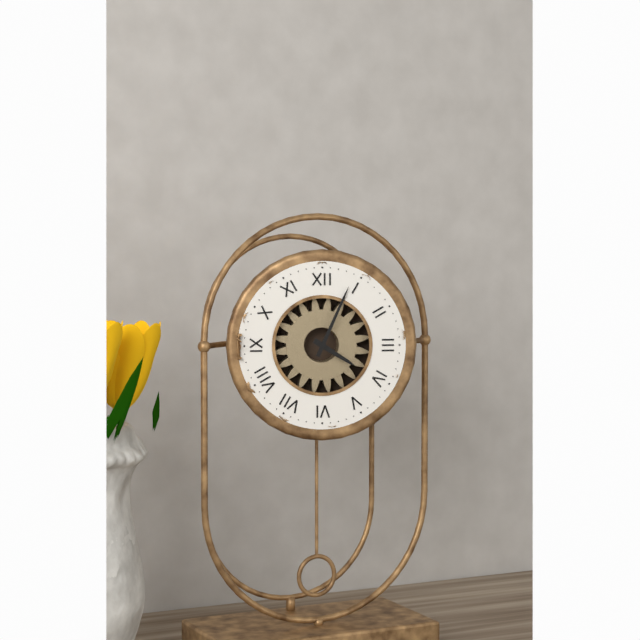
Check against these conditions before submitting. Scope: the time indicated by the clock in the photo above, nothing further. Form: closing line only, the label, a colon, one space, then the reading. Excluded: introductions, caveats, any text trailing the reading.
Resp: 4:04
